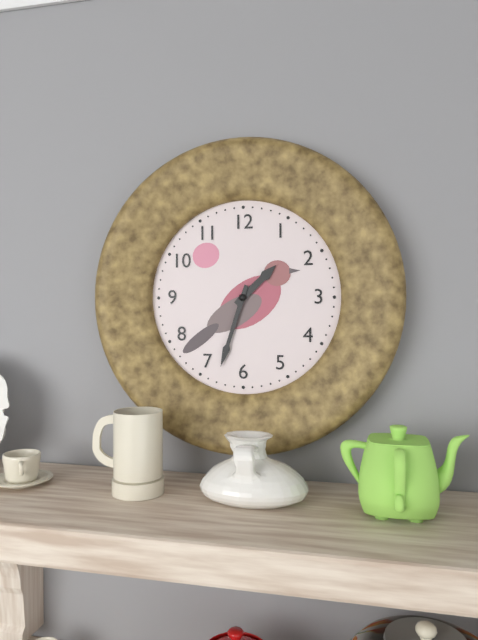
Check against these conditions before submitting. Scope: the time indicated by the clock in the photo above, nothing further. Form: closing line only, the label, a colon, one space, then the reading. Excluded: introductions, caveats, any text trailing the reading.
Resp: 1:33
